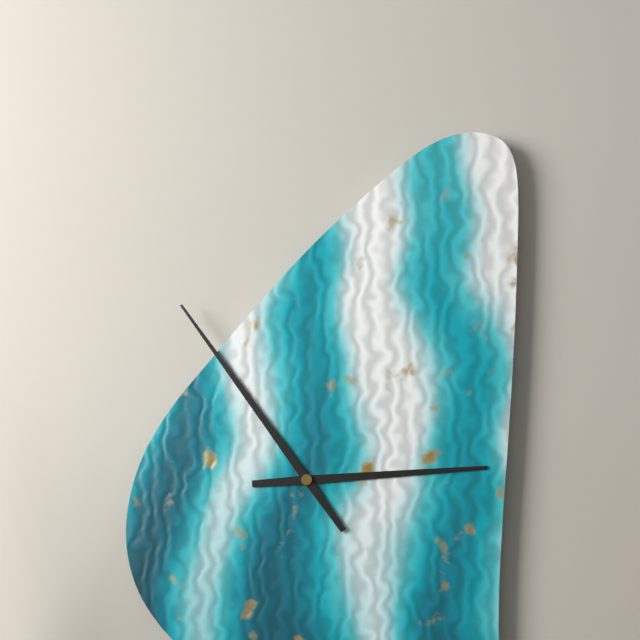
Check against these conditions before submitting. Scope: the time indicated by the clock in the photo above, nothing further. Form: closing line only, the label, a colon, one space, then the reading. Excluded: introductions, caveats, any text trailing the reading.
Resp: 2:54
